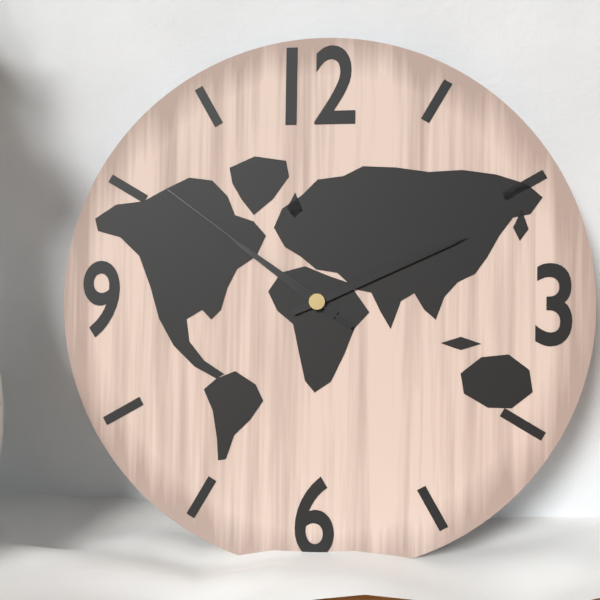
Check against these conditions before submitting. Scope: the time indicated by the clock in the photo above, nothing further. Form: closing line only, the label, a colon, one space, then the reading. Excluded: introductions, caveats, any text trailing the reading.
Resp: 10:11:51
